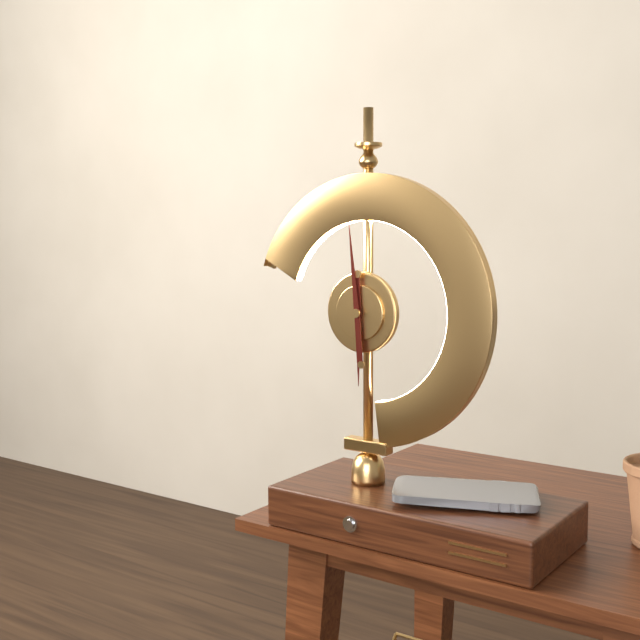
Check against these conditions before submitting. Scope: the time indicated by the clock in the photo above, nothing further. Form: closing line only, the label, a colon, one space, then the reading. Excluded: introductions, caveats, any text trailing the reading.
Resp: 5:59
